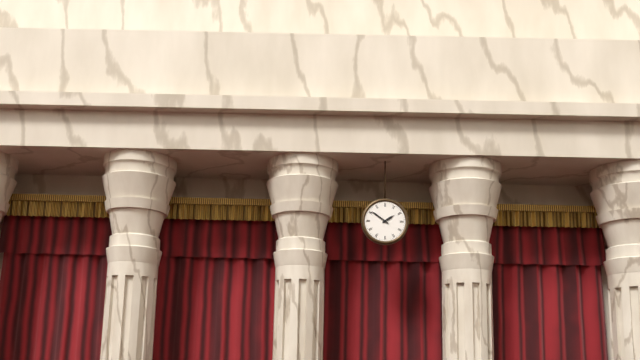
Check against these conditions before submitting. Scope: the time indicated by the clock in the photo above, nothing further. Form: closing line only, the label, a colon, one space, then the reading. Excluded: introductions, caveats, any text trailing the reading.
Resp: 1:51
